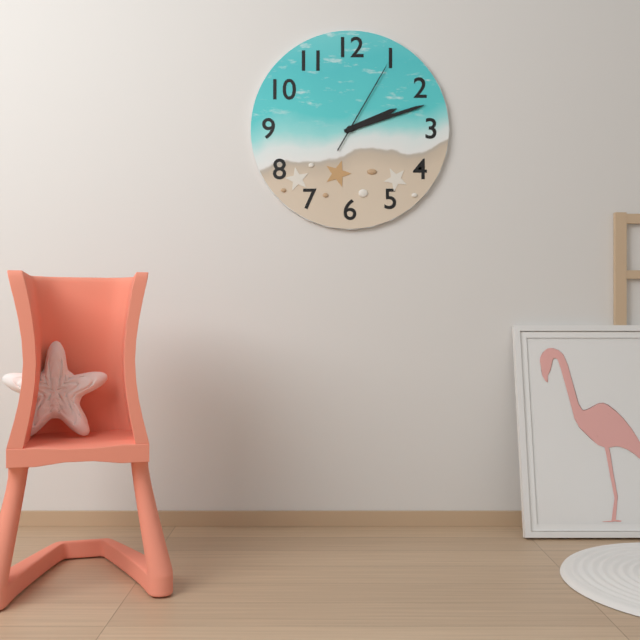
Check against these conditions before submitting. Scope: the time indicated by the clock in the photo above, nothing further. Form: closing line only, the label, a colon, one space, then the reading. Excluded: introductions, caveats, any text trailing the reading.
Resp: 2:12:05
